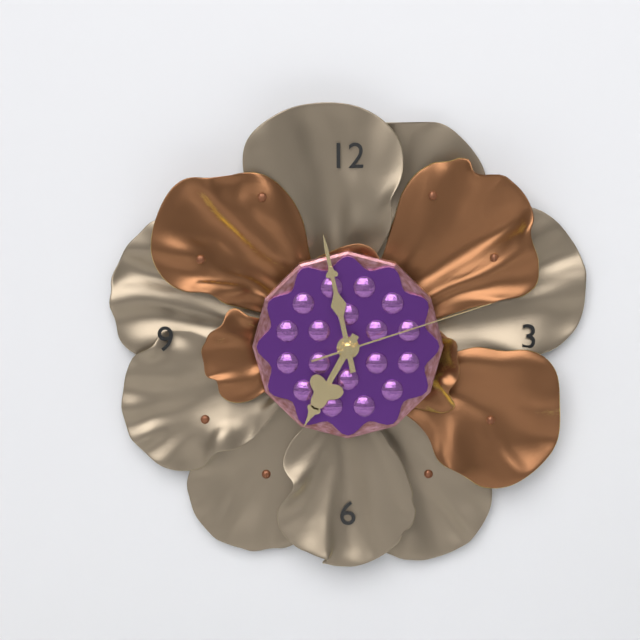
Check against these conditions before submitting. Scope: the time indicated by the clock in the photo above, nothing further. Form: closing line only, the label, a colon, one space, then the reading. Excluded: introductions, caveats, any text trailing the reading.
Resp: 6:58:12
